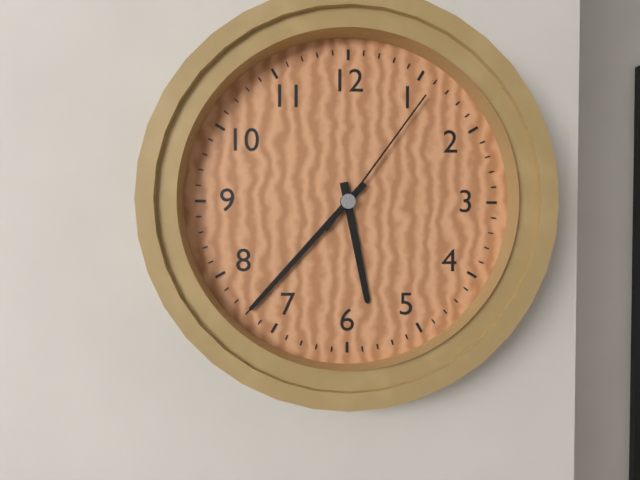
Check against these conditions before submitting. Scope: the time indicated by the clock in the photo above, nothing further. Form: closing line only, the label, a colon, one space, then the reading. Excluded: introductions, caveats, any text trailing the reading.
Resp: 5:37:06
